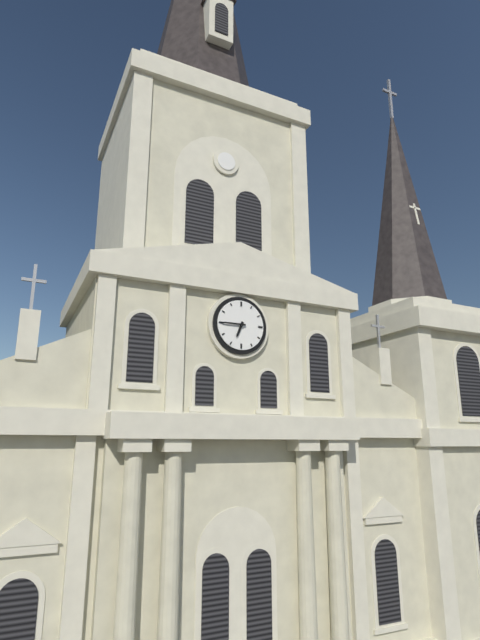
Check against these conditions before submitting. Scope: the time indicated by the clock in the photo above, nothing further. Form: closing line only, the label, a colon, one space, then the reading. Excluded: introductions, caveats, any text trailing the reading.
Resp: 6:45
